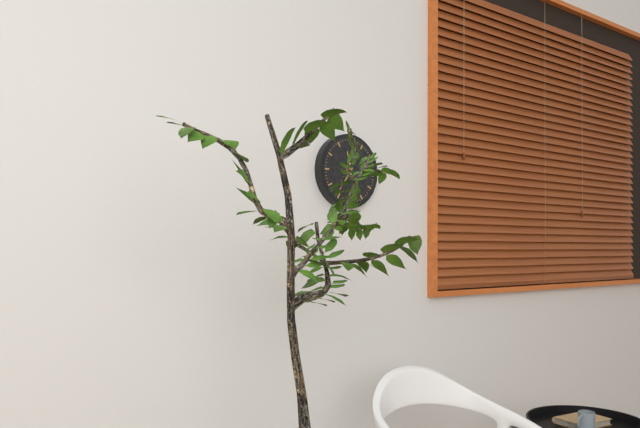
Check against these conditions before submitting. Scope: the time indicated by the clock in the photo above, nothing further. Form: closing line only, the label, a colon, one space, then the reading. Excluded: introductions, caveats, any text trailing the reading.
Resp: 11:36
